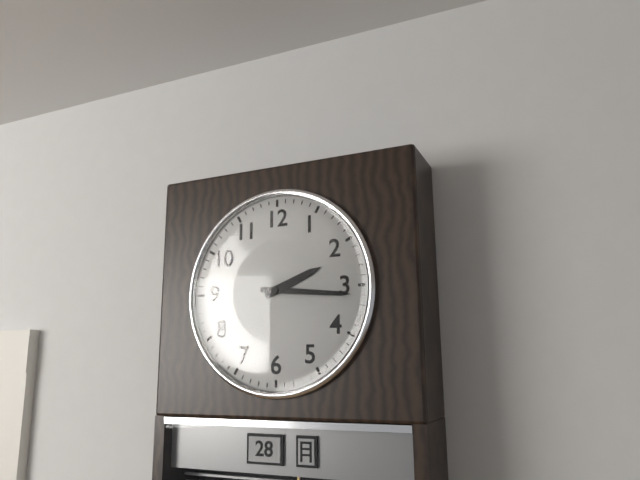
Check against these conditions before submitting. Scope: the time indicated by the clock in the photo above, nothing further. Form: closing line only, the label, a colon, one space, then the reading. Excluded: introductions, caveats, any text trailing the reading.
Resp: 2:16
